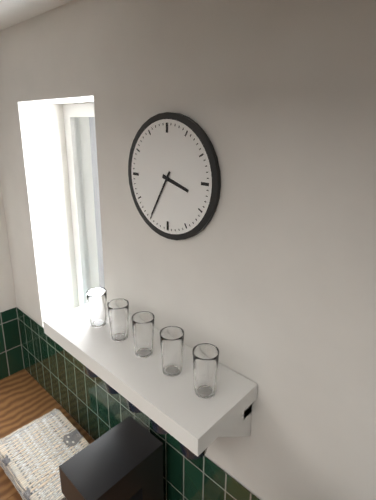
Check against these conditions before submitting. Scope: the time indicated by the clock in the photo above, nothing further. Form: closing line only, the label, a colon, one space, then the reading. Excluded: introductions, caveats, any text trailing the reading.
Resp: 3:35
